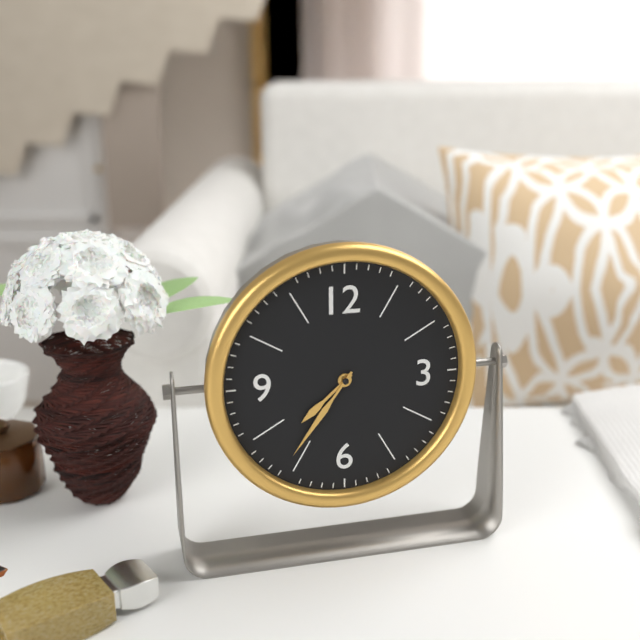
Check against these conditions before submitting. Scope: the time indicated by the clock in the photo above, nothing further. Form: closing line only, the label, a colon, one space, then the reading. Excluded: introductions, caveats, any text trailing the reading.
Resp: 7:36
